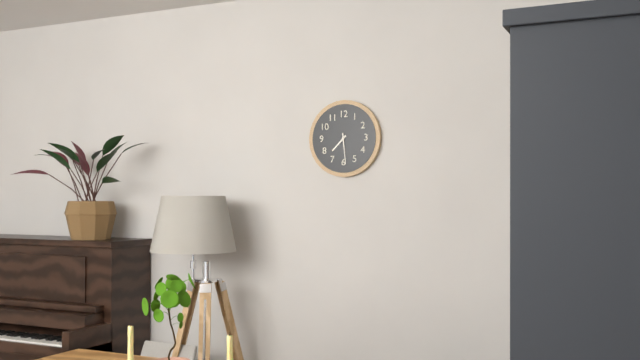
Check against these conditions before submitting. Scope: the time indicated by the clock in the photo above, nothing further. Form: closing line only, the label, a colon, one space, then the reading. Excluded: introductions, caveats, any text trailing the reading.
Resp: 7:29
